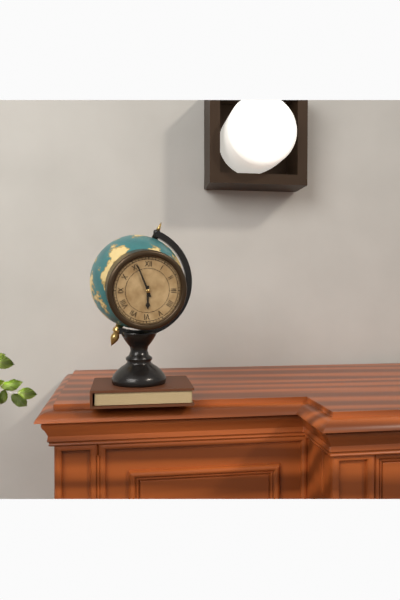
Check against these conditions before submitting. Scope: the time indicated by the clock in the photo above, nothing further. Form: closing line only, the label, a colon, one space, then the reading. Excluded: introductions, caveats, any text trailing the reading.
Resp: 5:56
